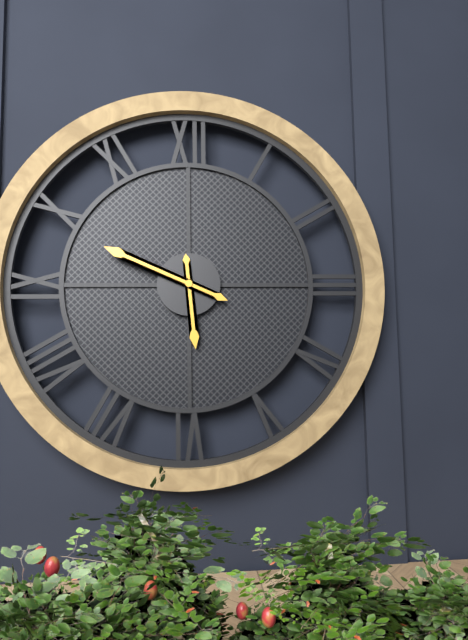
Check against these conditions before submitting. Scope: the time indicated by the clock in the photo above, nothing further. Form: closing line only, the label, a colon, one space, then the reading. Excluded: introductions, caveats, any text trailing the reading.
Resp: 5:49
